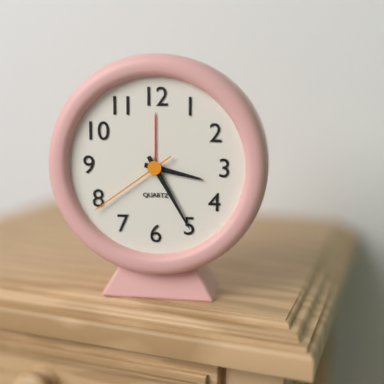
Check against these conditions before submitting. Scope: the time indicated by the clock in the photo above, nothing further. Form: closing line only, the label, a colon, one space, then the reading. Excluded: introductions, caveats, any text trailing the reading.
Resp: 3:25:39
